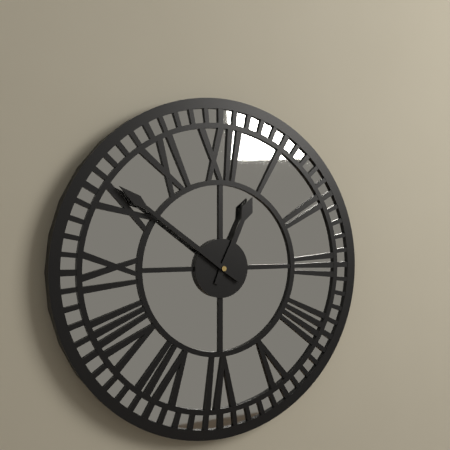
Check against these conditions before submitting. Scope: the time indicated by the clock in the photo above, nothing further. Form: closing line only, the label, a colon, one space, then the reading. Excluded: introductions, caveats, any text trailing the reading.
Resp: 12:51
